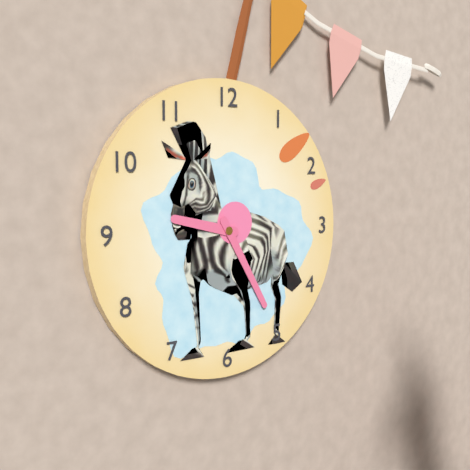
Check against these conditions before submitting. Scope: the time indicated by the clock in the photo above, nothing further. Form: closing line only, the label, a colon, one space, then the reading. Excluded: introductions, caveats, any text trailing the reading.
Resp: 9:25
